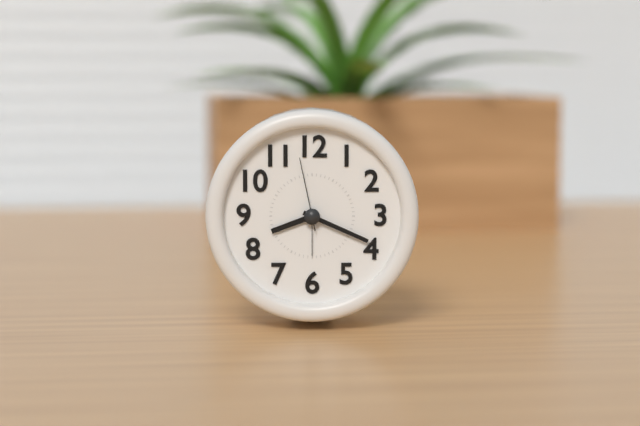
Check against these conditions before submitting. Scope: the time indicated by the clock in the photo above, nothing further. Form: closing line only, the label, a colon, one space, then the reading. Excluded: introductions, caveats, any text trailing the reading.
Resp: 8:19:58
